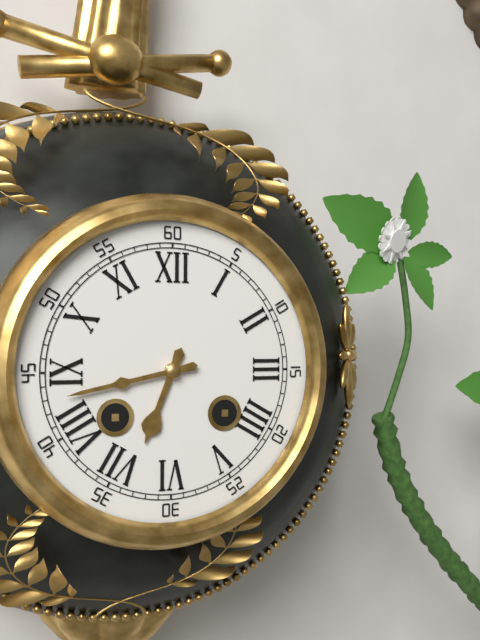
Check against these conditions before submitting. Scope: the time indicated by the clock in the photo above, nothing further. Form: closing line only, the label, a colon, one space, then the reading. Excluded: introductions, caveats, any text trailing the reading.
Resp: 6:43
